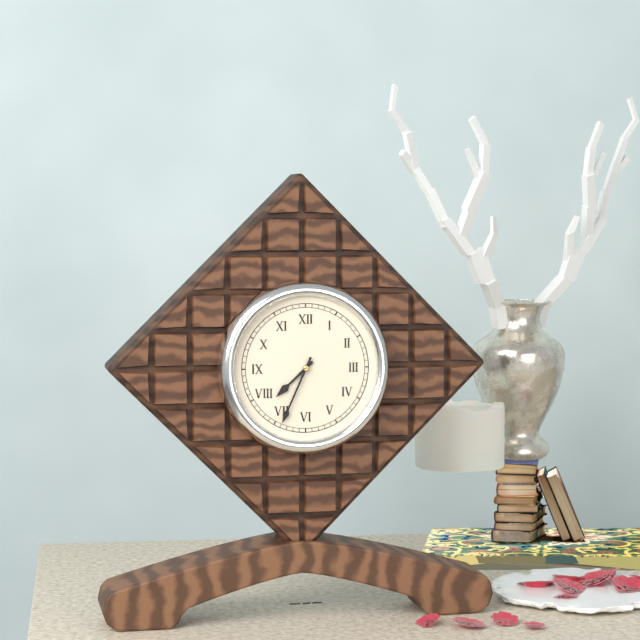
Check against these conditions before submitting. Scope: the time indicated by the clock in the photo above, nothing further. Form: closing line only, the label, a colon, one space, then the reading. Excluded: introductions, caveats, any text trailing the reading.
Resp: 7:34
